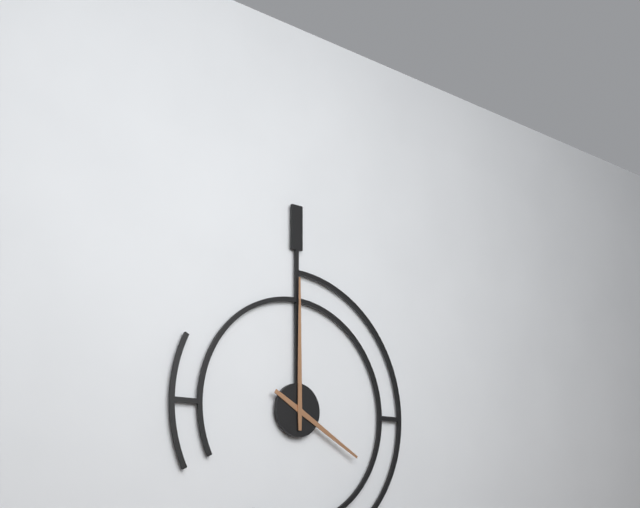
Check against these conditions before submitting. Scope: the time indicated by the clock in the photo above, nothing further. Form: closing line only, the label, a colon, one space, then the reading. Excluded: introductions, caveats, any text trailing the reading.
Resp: 4:00
